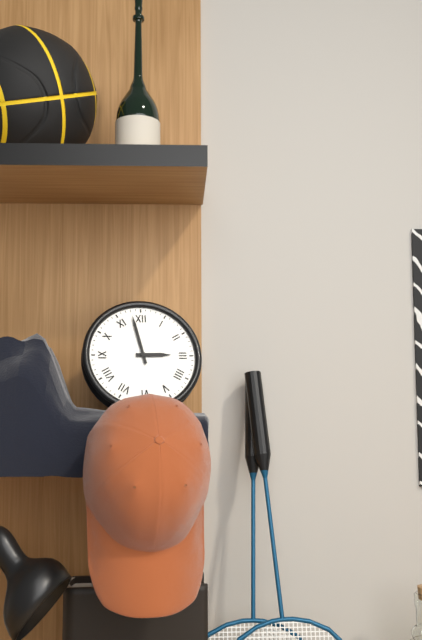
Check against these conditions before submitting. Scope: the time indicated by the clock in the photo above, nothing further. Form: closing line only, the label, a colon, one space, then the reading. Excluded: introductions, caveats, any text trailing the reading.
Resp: 2:58
